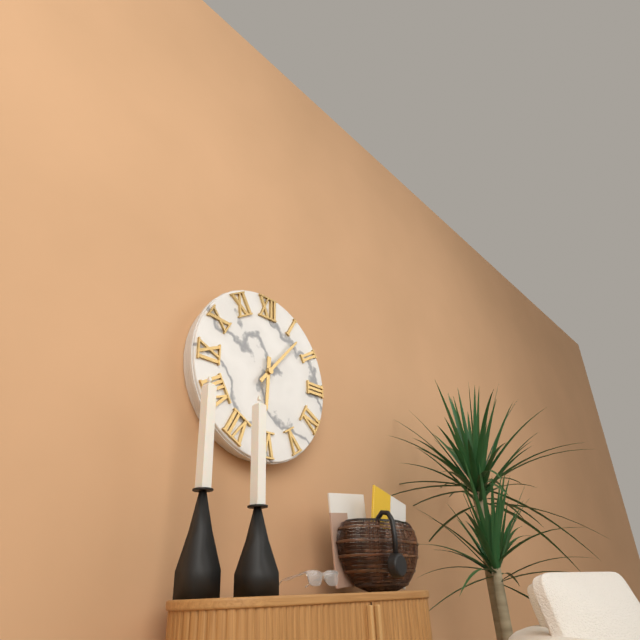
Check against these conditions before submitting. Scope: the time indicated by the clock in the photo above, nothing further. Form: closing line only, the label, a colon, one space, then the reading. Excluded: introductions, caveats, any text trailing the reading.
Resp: 6:07
